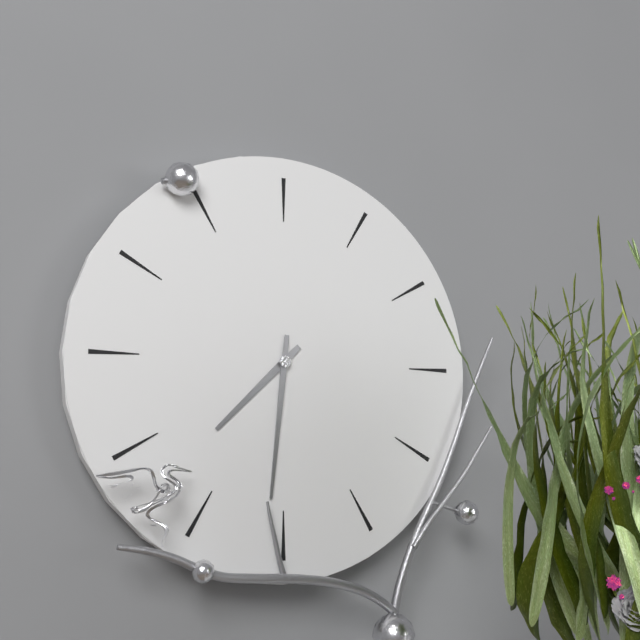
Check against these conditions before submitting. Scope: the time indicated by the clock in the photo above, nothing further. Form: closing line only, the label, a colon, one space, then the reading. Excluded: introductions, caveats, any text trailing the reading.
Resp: 7:31
